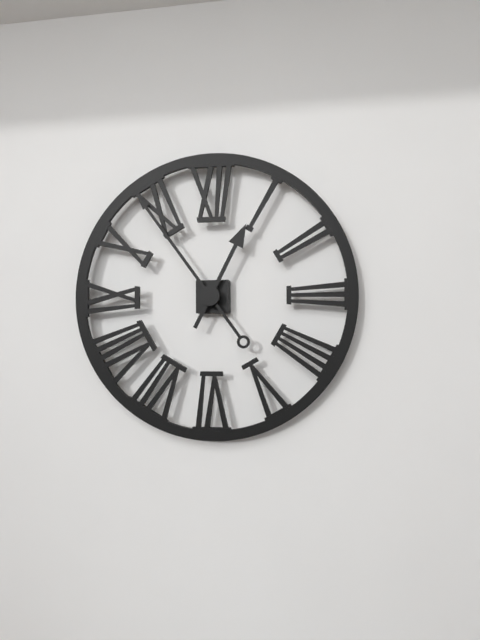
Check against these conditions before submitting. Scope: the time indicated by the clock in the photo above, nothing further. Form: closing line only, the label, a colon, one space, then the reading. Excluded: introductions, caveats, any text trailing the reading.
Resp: 12:54
